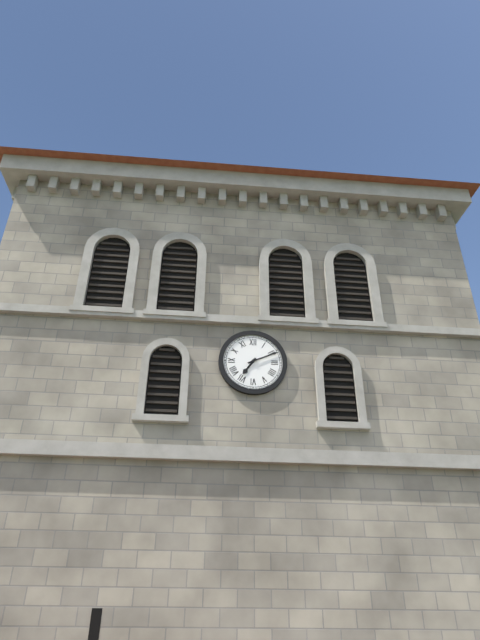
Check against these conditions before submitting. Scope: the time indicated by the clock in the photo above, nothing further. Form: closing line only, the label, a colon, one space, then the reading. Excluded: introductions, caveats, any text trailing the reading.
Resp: 7:11
